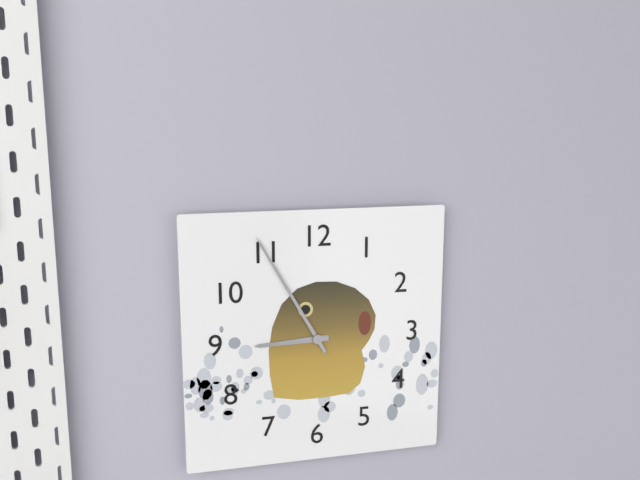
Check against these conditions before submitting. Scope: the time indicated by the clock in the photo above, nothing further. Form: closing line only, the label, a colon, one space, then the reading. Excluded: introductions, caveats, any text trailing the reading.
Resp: 8:55
